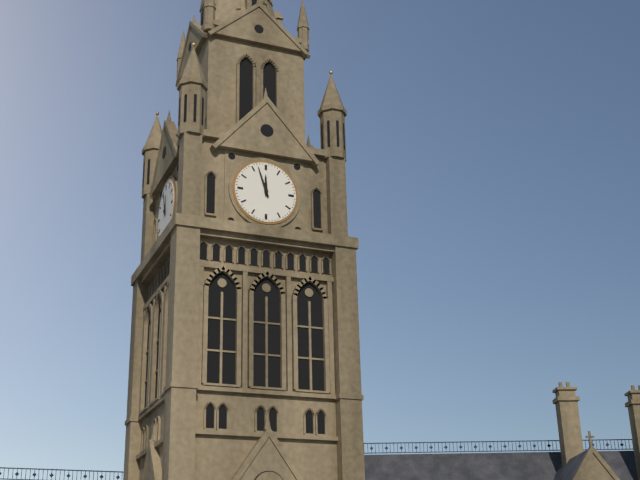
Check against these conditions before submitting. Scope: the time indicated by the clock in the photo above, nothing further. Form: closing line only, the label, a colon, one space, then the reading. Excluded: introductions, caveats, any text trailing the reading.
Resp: 11:57
